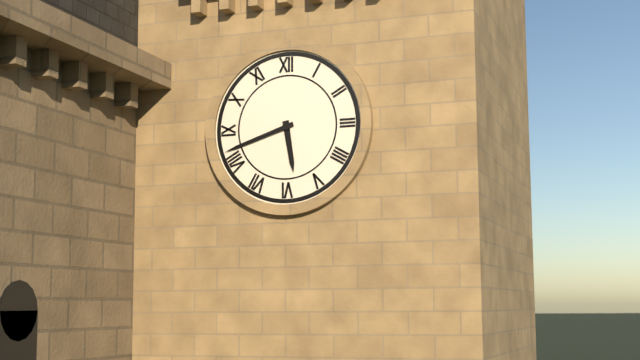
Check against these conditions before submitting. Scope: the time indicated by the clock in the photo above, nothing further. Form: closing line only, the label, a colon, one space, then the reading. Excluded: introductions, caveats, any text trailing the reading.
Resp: 5:42
